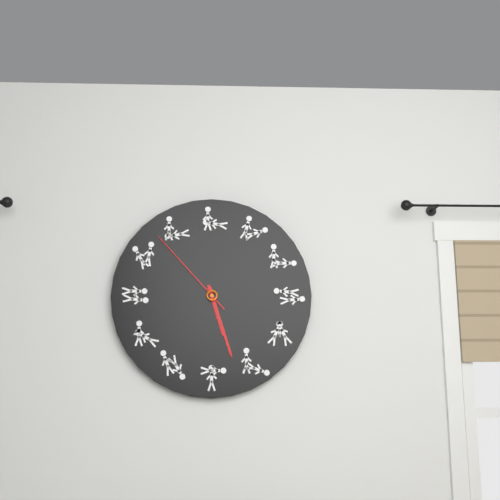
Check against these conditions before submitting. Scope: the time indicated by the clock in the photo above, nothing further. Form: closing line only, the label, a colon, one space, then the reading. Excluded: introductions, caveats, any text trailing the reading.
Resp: 5:27:53
